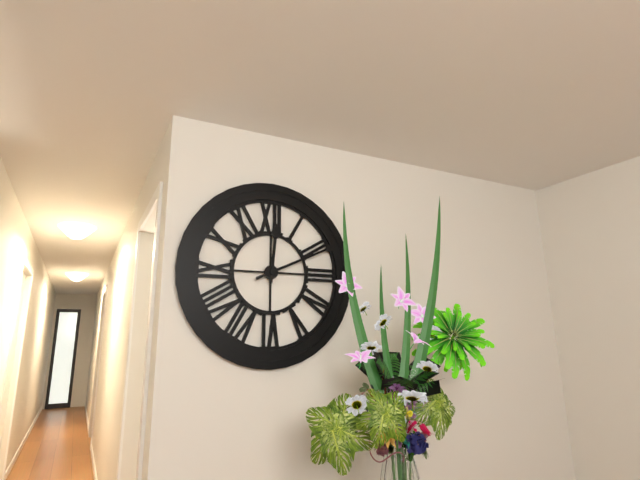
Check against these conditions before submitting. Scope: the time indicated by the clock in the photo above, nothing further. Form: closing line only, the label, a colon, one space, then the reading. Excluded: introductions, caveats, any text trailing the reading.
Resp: 12:11
